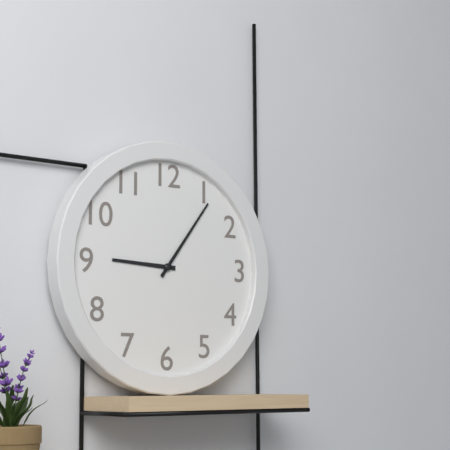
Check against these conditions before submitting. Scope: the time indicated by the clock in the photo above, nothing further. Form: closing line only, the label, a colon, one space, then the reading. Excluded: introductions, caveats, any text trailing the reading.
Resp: 9:06
